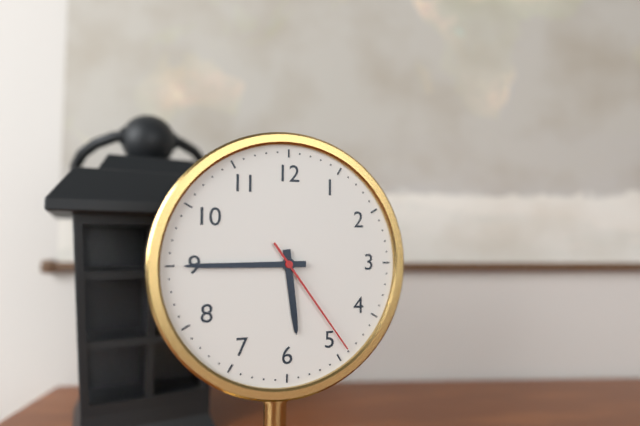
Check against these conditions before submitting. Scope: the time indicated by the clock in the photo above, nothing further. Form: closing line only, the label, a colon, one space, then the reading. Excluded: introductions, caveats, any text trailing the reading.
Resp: 5:45:24
